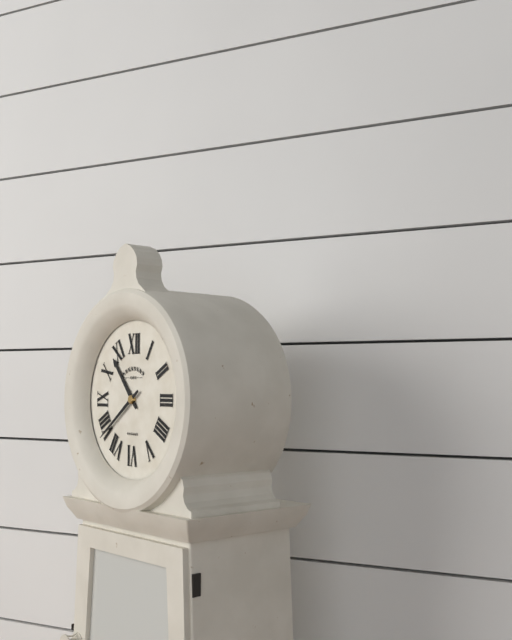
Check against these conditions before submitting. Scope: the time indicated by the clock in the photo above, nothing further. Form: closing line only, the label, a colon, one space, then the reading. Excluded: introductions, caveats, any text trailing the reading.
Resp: 10:39
